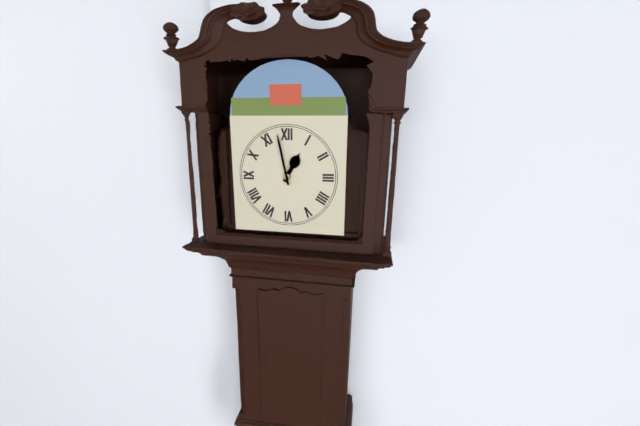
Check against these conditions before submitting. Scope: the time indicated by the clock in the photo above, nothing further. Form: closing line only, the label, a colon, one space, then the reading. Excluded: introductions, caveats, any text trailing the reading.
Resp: 12:58
